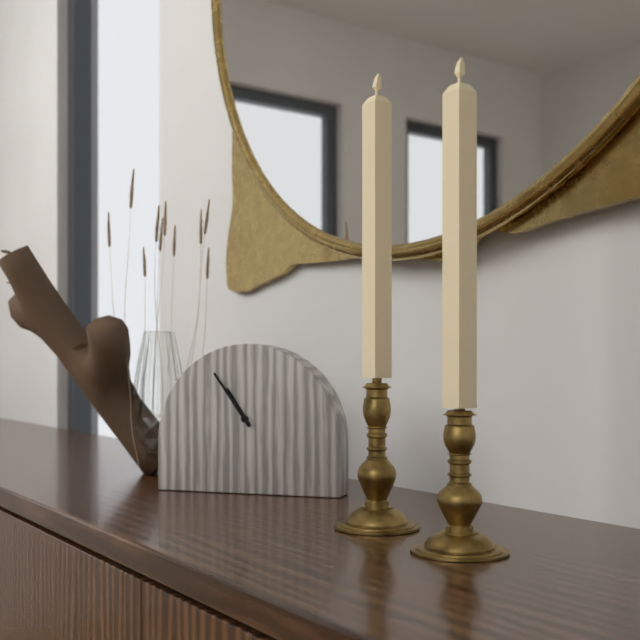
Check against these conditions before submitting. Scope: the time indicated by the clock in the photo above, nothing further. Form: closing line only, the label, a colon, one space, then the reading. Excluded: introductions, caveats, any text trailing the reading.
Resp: 10:54
